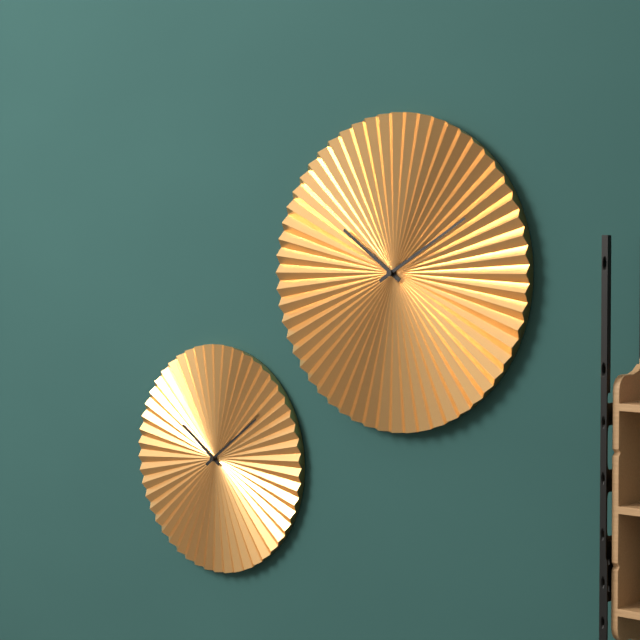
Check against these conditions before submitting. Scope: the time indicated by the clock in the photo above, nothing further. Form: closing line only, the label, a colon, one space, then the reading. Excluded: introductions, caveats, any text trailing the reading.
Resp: 10:10
